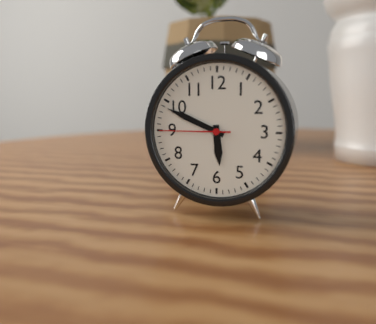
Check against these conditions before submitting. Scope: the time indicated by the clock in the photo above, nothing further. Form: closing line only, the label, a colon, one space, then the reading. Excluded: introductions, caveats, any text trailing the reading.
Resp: 5:49:45
